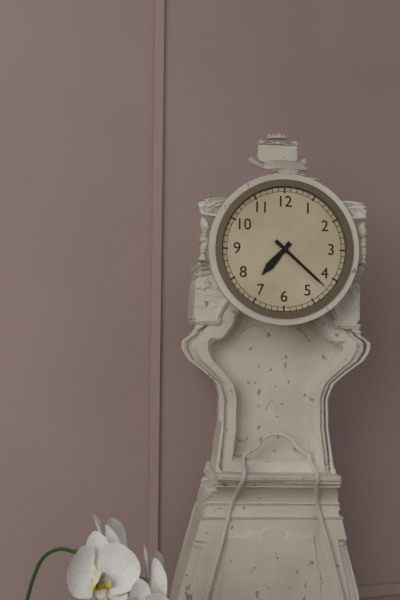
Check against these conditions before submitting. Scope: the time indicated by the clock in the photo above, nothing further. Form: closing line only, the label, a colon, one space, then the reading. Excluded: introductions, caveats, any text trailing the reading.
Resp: 7:22
